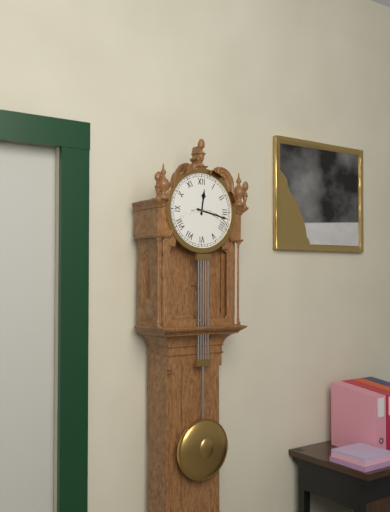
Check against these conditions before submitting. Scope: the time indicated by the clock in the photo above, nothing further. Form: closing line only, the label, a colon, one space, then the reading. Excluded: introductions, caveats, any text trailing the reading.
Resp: 12:17
